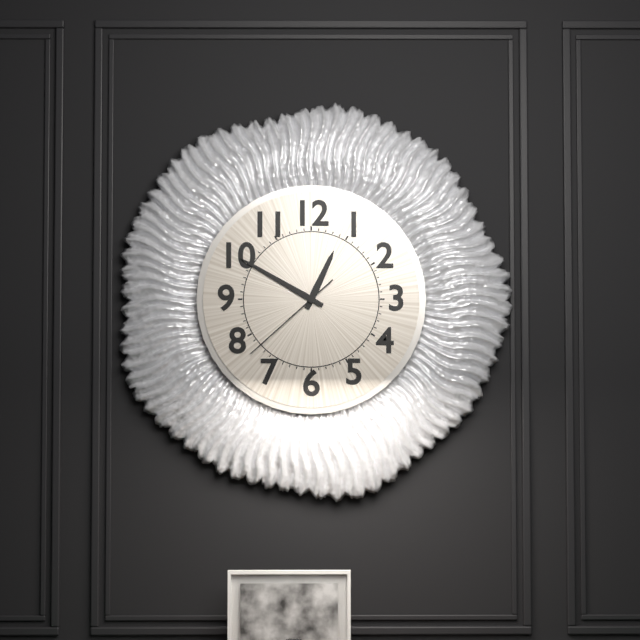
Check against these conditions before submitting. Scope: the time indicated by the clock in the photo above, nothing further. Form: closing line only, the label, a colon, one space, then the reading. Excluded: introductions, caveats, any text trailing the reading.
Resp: 12:50:38
